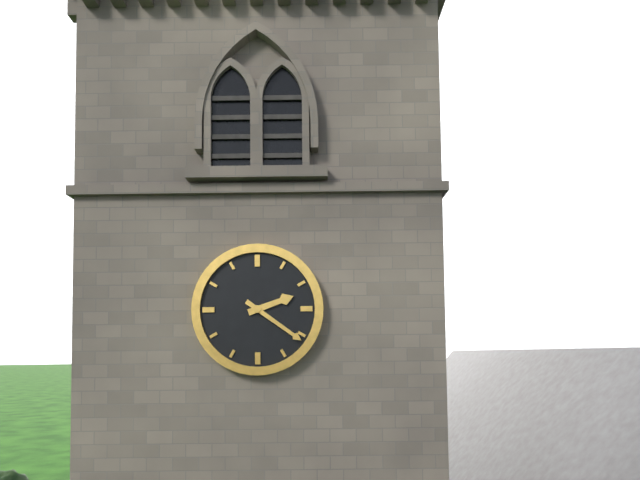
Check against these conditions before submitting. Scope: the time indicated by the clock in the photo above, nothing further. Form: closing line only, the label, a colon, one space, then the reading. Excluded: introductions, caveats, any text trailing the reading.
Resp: 2:21
